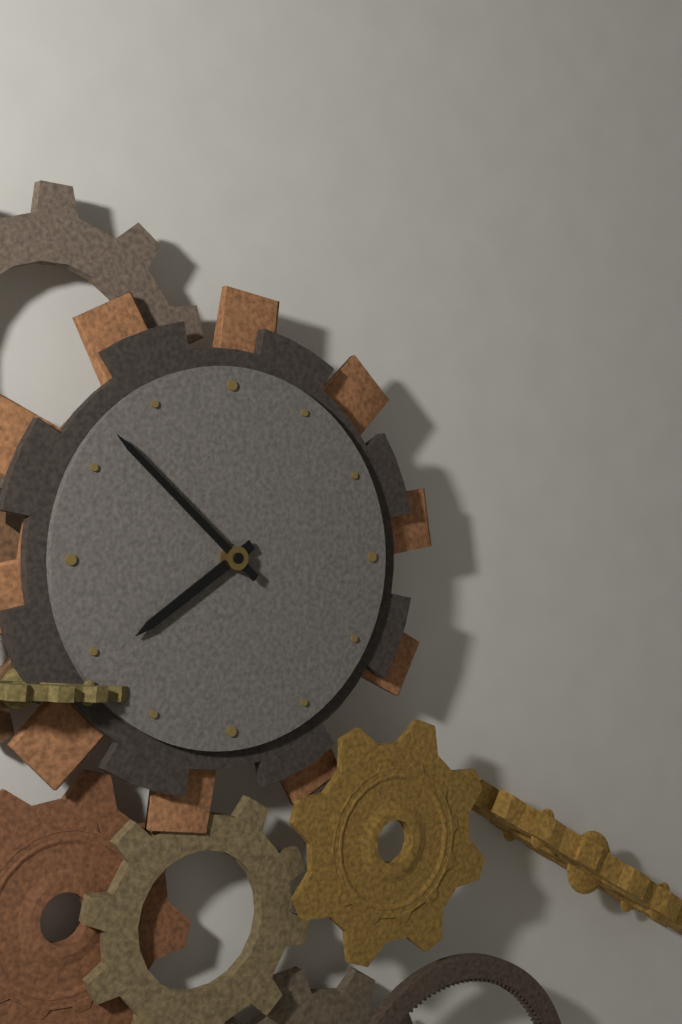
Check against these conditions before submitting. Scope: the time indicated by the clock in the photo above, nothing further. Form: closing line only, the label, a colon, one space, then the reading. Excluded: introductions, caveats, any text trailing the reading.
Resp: 7:52
